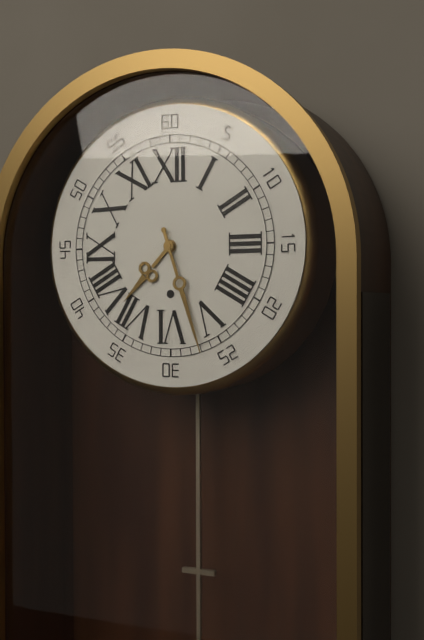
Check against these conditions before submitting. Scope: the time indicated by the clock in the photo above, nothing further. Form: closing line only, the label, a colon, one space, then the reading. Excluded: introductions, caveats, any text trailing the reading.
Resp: 7:27
